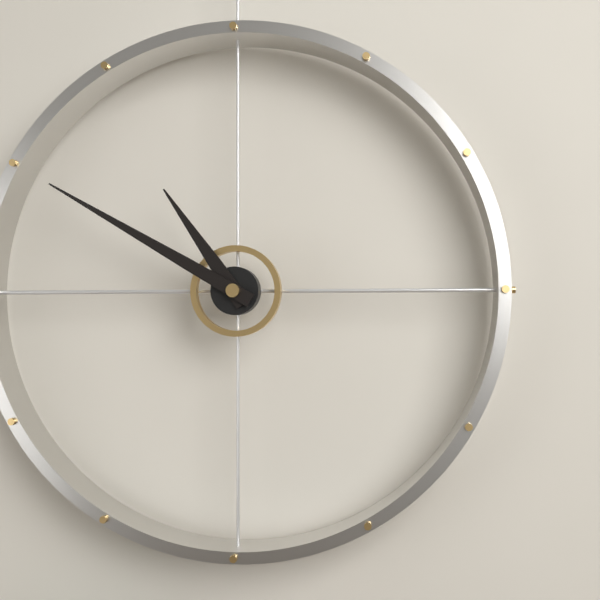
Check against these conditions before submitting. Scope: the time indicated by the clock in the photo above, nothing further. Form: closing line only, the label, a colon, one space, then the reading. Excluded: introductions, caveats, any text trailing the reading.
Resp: 10:50
